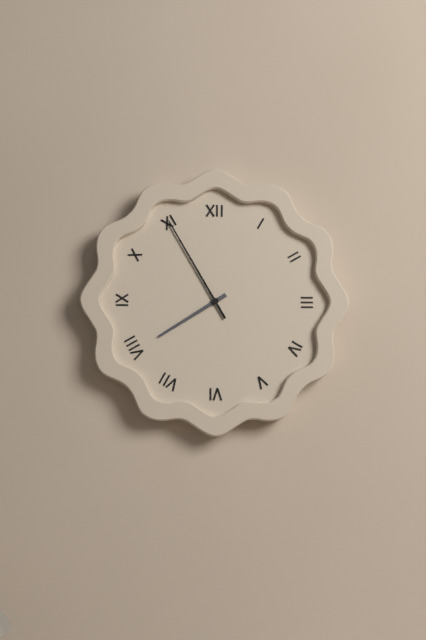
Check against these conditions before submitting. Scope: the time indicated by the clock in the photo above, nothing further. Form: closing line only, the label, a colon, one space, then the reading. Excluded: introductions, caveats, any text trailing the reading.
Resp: 7:55
